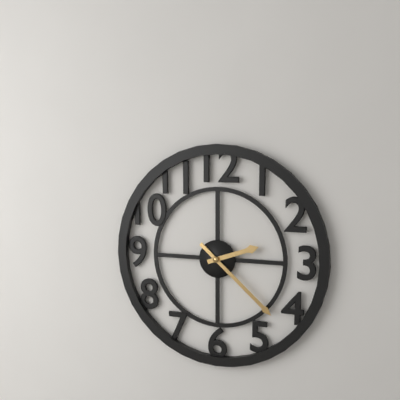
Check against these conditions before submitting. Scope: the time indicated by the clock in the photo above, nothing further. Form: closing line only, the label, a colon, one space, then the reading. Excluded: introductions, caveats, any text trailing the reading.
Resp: 2:22
